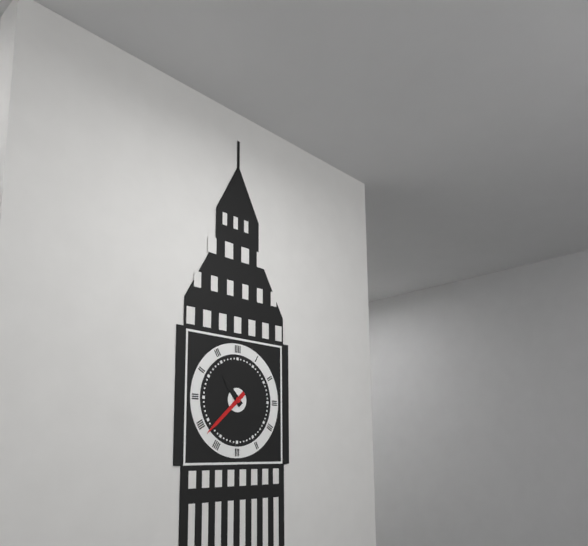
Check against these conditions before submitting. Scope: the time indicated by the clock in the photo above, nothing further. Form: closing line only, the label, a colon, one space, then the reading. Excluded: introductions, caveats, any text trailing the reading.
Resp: 10:38
